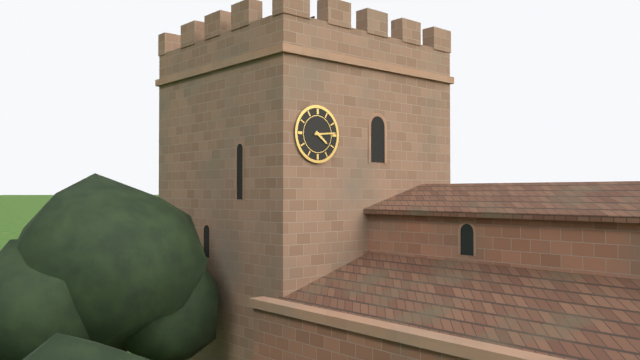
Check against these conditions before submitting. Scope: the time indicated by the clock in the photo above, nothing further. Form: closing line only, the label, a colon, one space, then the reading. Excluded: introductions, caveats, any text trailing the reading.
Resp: 4:14
